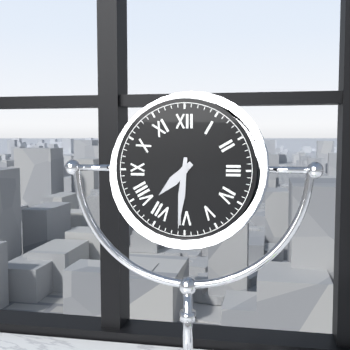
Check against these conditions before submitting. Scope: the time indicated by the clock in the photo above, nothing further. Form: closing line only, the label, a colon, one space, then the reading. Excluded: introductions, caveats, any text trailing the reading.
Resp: 7:31
